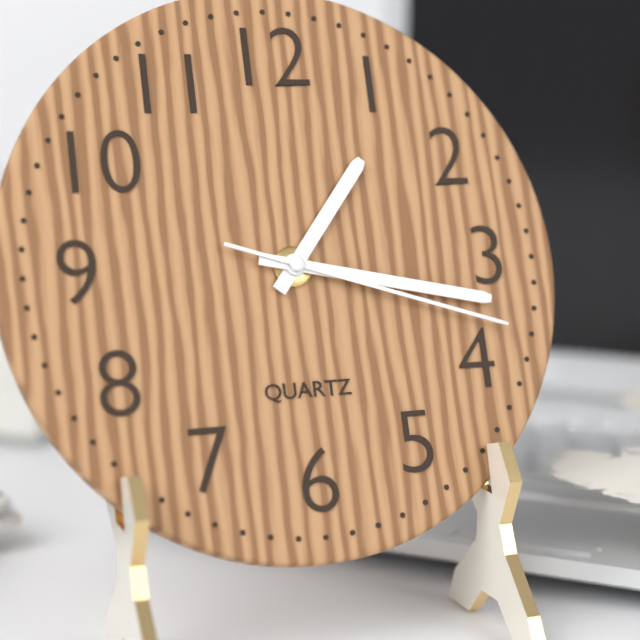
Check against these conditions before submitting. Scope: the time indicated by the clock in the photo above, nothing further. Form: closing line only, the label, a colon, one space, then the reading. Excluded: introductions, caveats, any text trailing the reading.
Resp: 1:17:18
